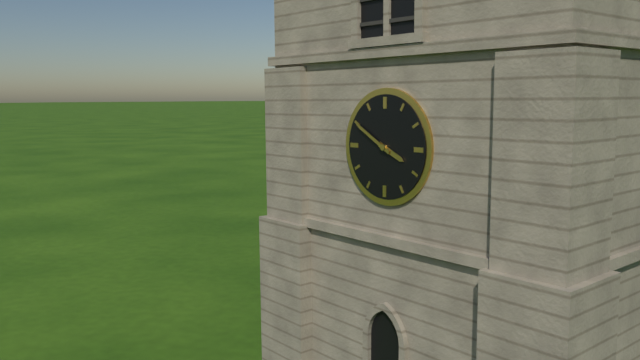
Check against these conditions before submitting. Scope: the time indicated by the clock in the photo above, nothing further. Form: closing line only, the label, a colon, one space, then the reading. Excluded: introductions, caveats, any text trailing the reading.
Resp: 3:50
